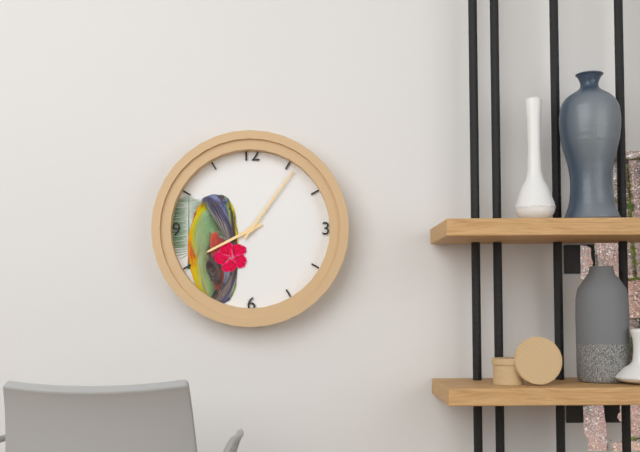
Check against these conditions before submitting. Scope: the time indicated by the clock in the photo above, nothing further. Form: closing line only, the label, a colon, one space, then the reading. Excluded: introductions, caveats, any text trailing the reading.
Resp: 8:06
